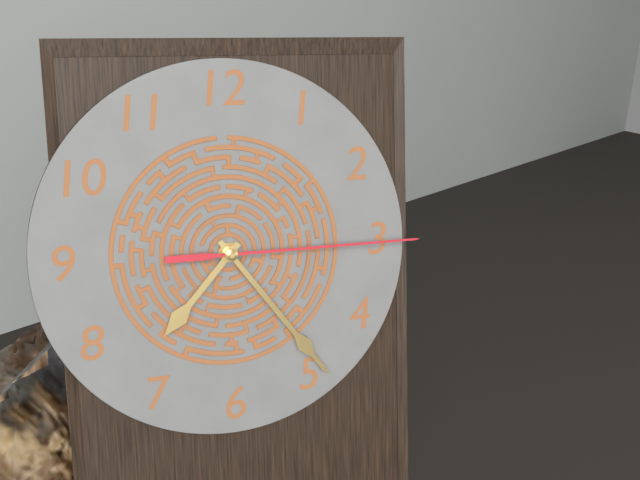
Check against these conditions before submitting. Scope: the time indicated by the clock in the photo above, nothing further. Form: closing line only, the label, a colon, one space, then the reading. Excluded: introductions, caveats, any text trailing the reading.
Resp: 7:24:15
